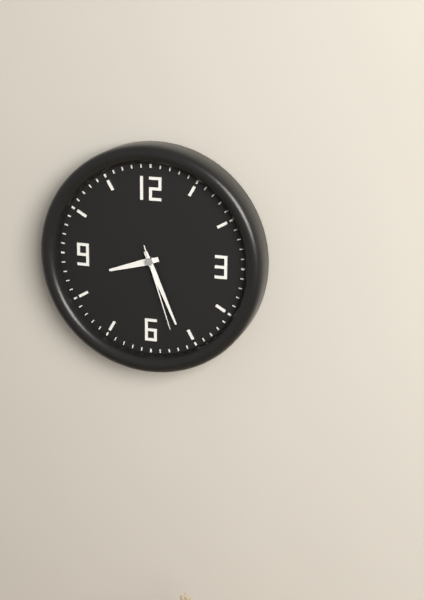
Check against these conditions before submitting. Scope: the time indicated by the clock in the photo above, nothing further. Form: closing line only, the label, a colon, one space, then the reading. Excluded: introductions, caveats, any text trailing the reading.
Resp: 8:26:27
